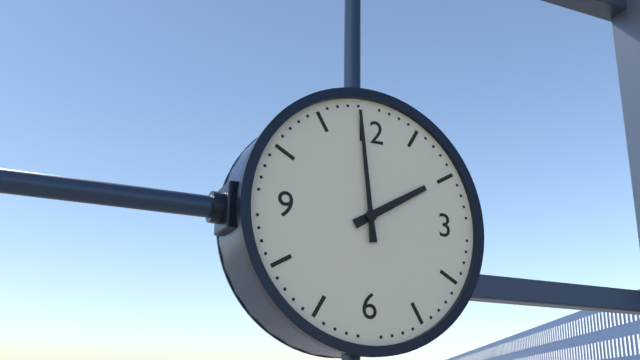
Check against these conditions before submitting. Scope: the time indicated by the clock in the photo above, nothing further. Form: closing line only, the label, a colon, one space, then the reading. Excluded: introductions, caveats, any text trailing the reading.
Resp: 1:59
